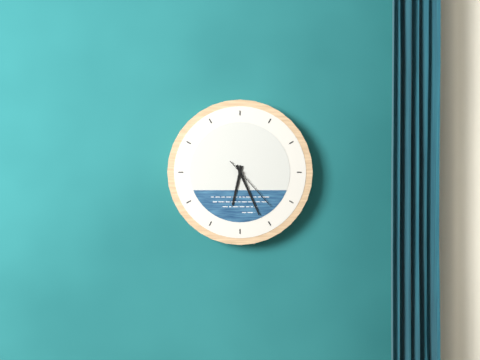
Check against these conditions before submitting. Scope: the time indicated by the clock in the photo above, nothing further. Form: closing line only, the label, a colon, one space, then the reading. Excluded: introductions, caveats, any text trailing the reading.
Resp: 6:26:23
